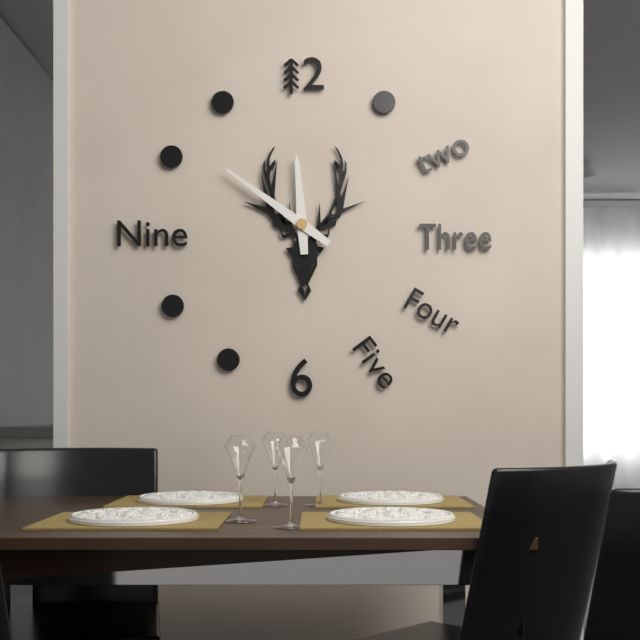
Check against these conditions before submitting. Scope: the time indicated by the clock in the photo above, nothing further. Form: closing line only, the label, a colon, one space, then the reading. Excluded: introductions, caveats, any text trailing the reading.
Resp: 11:51
